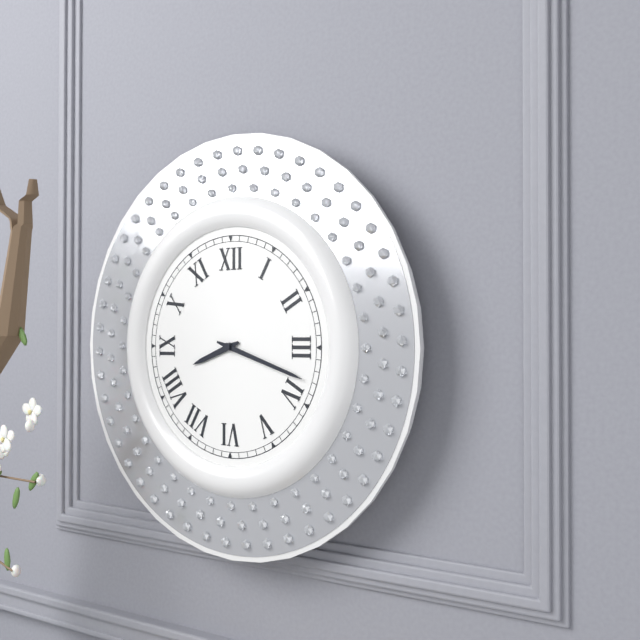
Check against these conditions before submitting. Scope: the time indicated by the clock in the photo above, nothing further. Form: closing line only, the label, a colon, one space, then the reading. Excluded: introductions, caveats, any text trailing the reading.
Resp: 8:18
